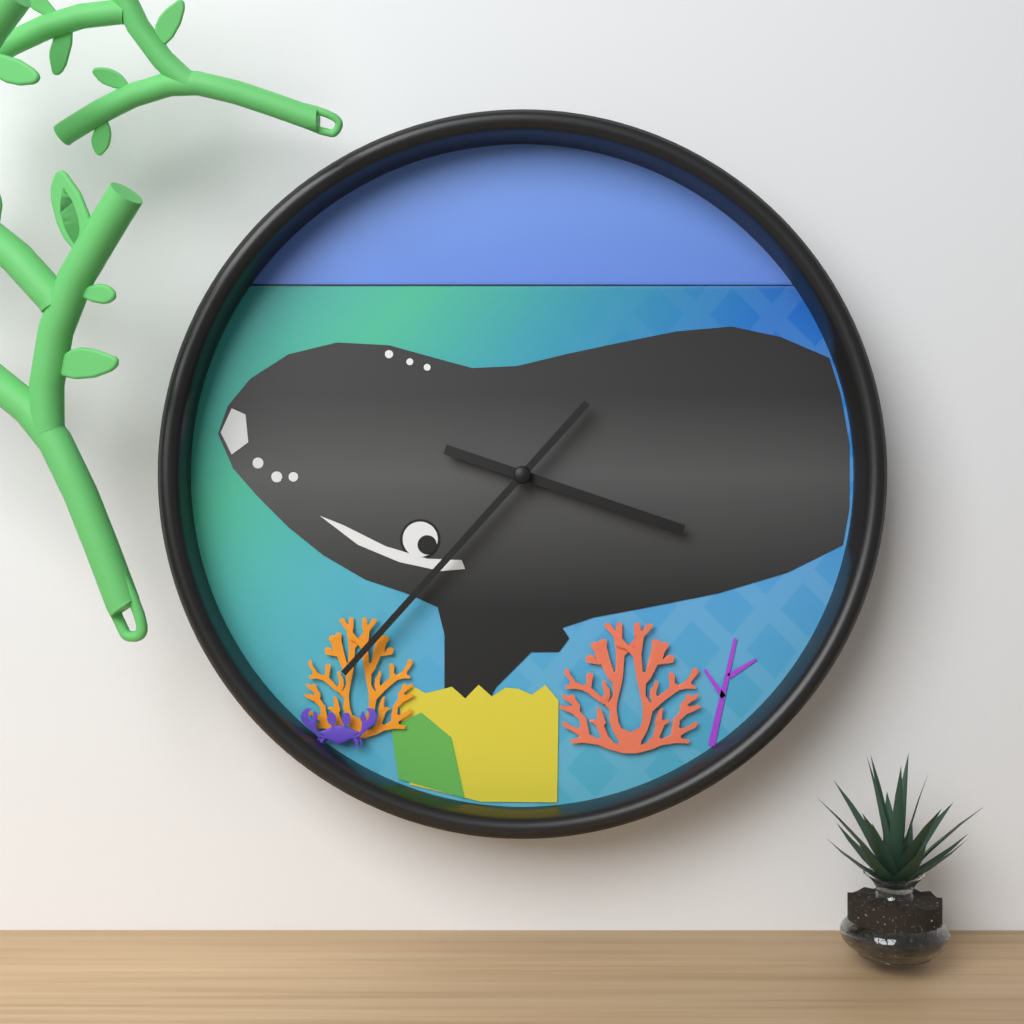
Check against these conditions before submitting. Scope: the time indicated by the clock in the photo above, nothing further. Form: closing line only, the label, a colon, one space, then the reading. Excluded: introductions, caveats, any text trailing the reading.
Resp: 3:37
